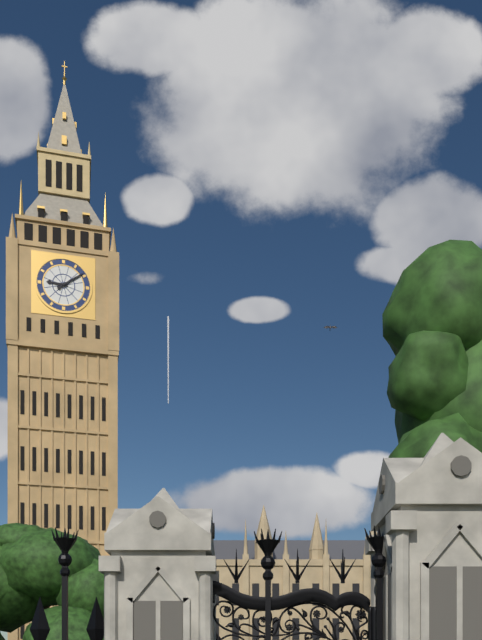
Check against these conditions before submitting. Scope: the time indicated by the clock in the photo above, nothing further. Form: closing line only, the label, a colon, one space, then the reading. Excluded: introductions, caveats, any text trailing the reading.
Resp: 9:09
